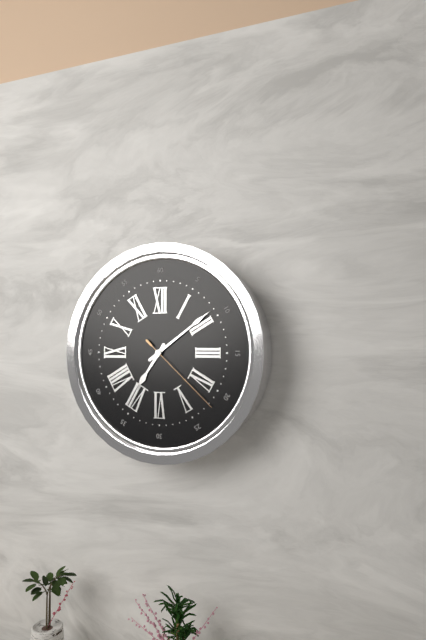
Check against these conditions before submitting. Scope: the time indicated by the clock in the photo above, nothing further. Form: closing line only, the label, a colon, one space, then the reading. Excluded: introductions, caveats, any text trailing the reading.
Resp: 7:09:22
